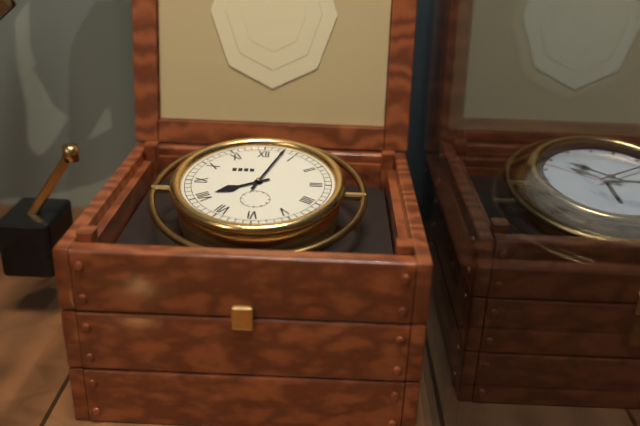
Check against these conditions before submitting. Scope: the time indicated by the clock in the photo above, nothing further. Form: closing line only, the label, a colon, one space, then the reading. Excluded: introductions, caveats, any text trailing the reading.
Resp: 8:03
